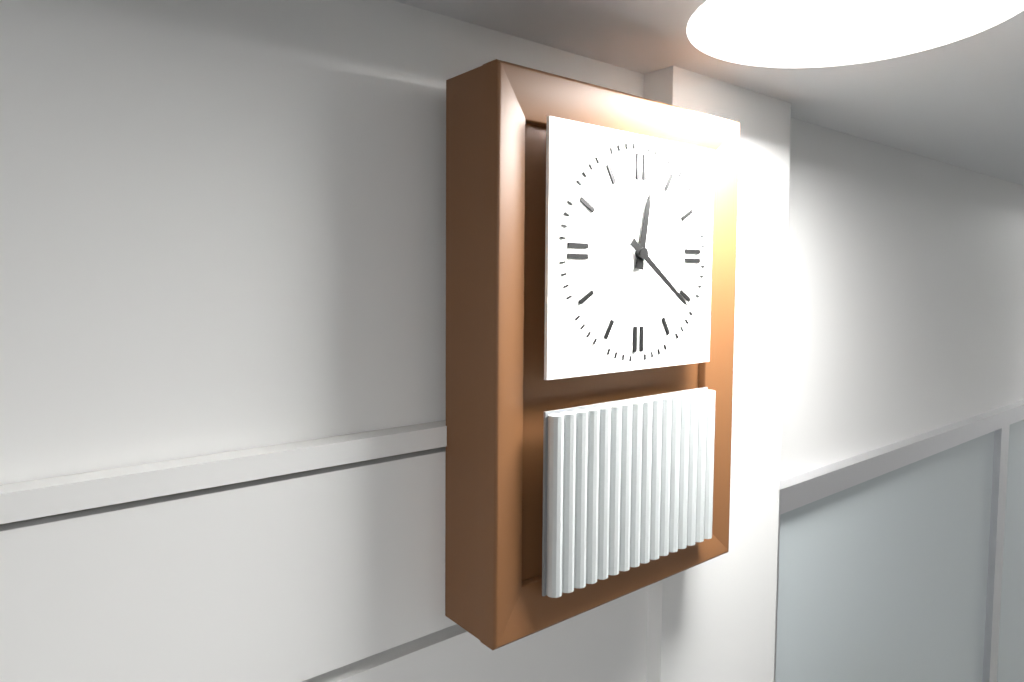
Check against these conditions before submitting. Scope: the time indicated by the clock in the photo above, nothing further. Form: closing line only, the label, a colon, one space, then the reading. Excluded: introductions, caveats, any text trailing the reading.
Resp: 12:21
